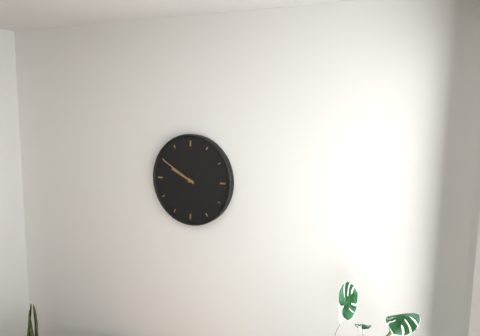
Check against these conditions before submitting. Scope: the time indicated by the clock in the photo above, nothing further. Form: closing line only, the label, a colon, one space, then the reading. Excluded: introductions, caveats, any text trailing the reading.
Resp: 9:50
